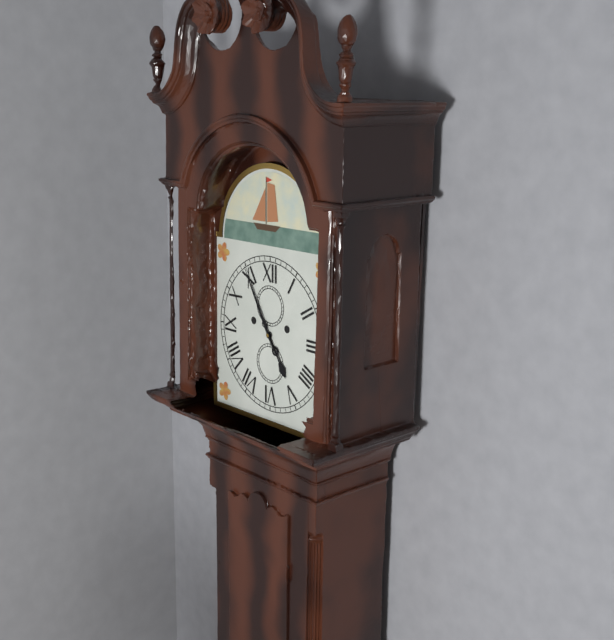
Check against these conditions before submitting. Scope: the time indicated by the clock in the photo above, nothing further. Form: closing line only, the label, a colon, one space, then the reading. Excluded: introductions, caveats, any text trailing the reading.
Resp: 4:55
